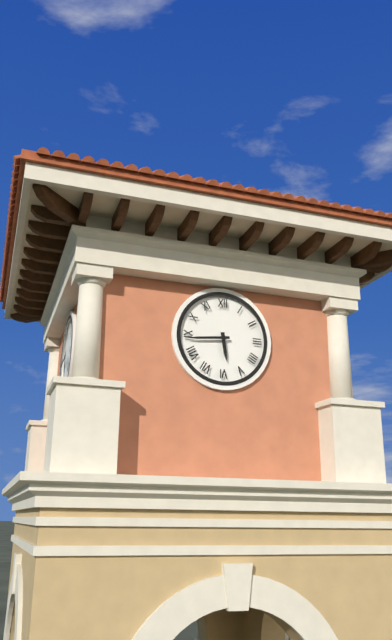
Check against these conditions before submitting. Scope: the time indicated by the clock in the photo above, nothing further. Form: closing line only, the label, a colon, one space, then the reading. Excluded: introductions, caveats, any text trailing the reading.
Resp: 5:44
